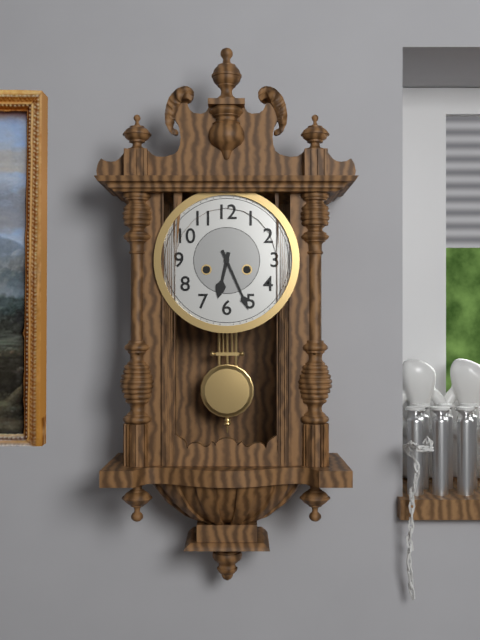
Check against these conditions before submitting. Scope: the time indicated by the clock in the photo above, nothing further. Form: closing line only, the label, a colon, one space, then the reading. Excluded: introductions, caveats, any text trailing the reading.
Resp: 6:26
